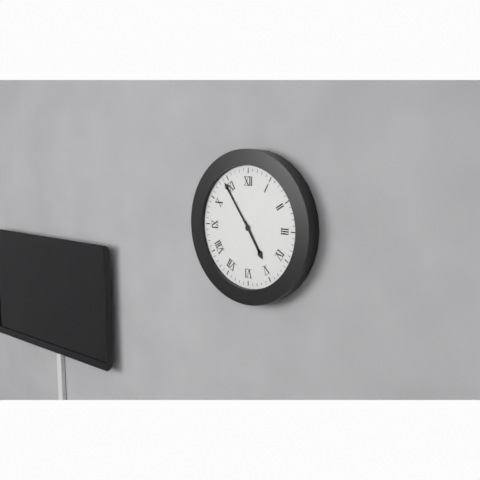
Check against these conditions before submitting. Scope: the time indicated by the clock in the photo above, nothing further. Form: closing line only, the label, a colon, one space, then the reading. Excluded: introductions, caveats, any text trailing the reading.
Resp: 4:54
